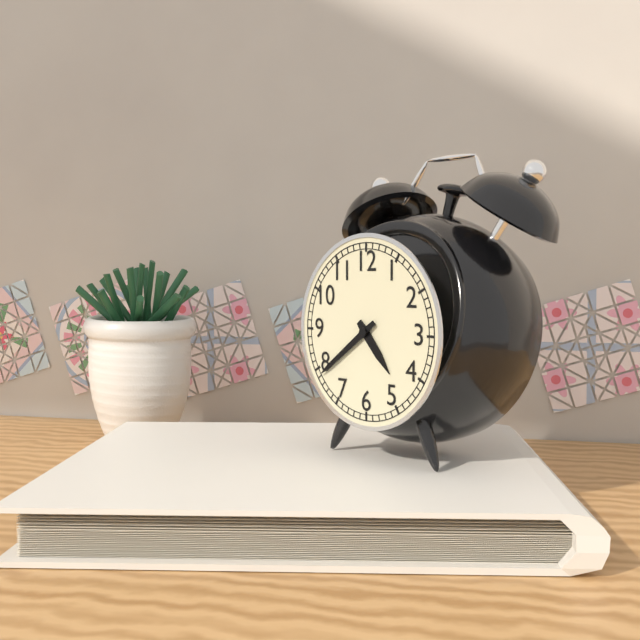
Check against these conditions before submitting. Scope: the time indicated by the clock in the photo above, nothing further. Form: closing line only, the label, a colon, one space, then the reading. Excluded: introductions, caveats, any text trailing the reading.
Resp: 4:39
